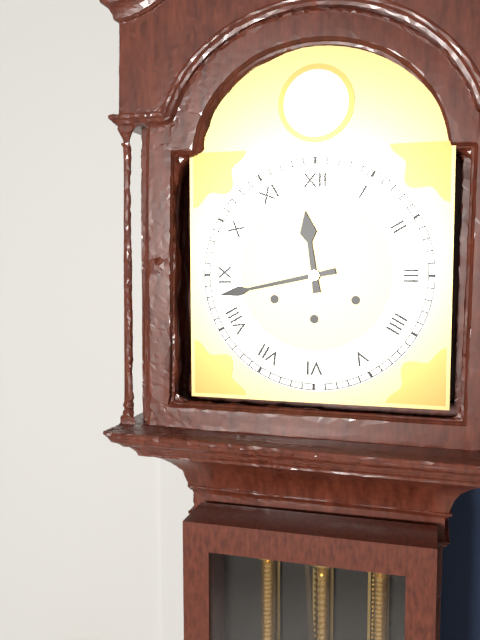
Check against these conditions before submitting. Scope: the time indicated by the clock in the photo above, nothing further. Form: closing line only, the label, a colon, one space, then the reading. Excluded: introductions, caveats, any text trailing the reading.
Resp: 11:43
